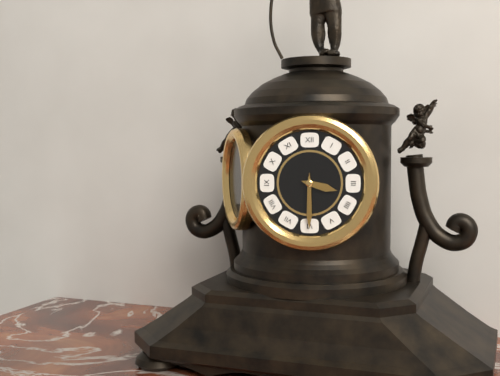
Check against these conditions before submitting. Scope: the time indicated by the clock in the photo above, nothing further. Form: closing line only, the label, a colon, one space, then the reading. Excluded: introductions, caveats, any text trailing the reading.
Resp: 3:30
